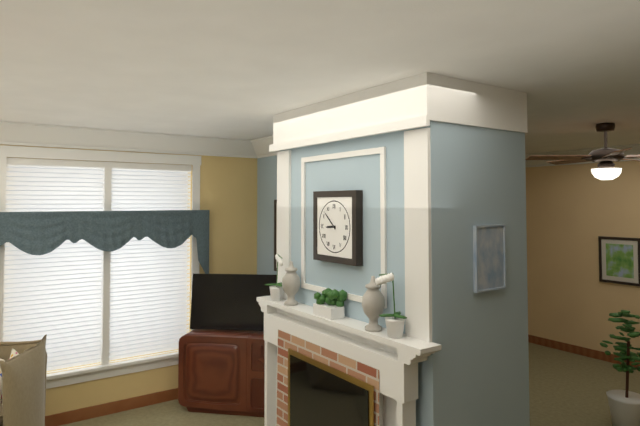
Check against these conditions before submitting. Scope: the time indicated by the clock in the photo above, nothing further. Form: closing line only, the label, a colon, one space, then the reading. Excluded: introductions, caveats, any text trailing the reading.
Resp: 8:52
